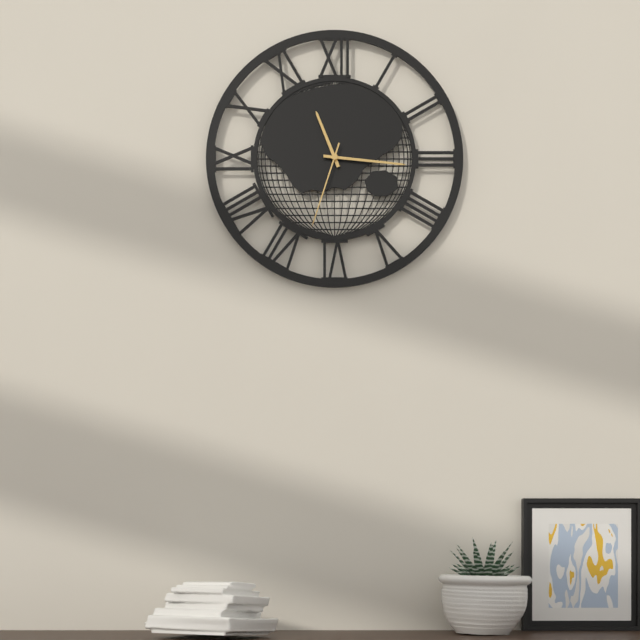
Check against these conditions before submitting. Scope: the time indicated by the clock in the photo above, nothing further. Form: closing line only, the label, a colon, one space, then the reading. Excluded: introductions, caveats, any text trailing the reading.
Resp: 11:16:33
